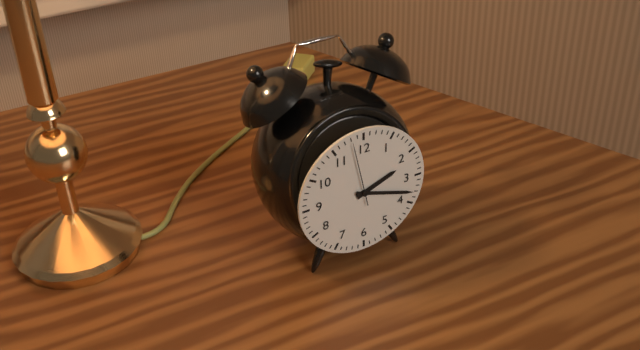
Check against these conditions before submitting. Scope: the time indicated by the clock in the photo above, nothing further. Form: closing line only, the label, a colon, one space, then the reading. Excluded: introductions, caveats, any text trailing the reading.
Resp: 2:18:58
